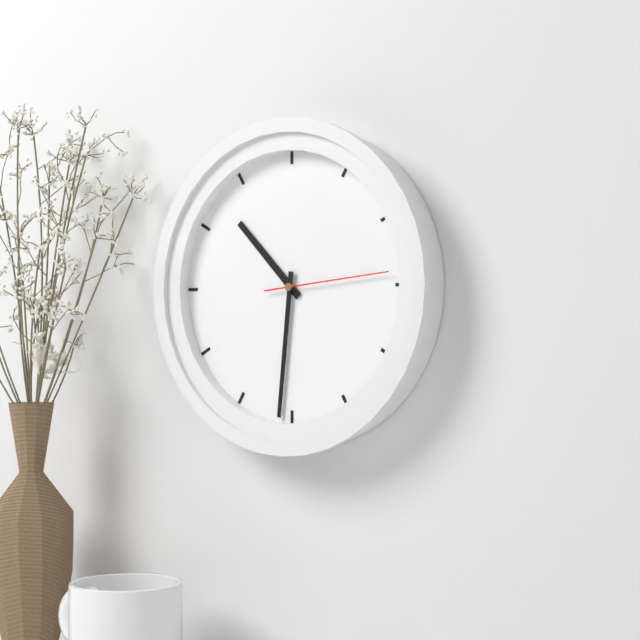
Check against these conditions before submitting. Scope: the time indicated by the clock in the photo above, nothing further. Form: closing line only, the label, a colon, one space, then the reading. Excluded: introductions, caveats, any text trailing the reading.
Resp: 10:31:14
